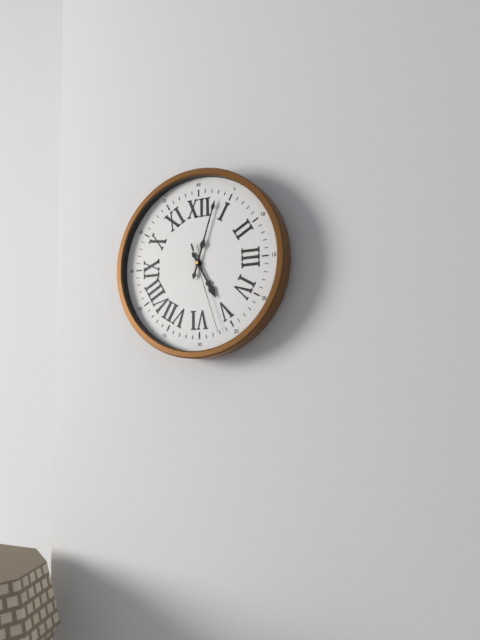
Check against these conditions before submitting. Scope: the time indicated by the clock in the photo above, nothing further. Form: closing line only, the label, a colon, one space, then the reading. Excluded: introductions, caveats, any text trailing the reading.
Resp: 5:03:27
